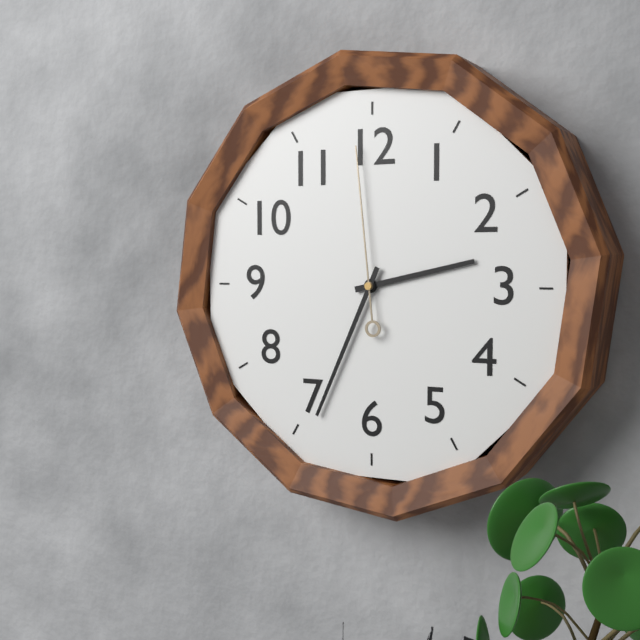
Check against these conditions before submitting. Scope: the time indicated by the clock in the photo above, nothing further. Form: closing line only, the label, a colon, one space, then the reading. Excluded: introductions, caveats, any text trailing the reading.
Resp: 2:34:59
